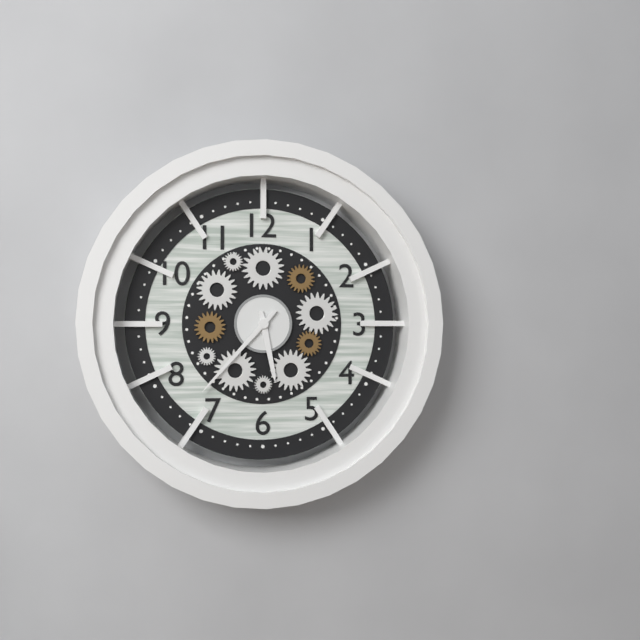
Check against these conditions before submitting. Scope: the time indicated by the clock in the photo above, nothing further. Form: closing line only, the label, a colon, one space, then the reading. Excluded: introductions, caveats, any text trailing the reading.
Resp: 5:37
